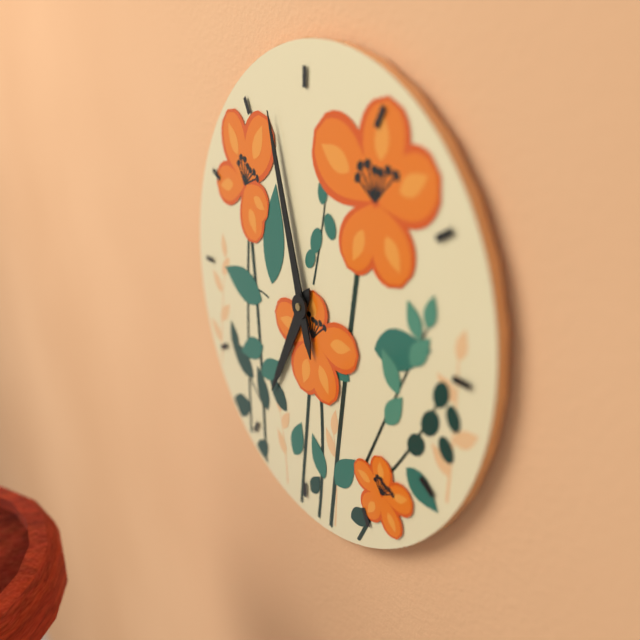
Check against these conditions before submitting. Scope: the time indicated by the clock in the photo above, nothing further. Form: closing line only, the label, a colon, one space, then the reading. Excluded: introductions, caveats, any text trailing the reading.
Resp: 6:57
